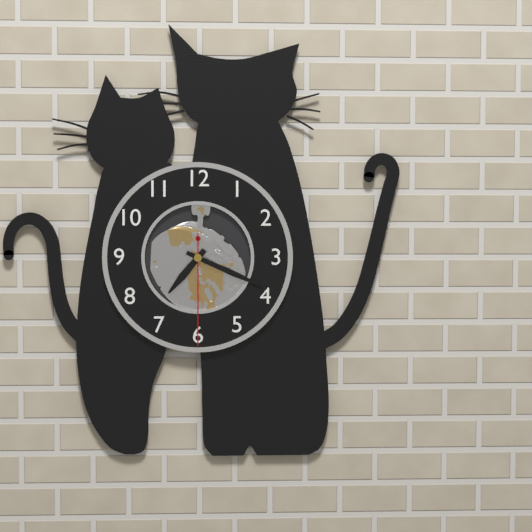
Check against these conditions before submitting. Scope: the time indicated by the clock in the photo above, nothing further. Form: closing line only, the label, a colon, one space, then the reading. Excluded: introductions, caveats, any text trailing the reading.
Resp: 7:19:30
